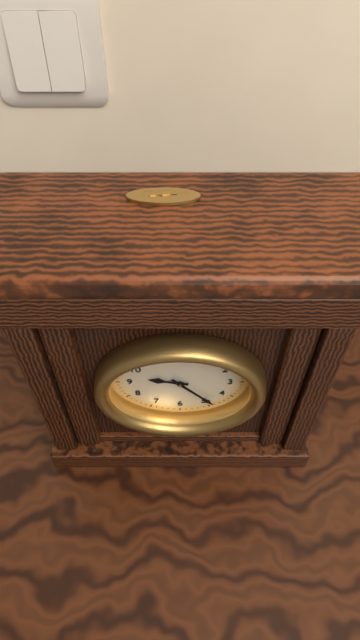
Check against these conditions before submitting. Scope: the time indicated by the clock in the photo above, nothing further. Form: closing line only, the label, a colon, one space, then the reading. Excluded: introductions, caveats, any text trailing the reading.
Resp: 9:23
